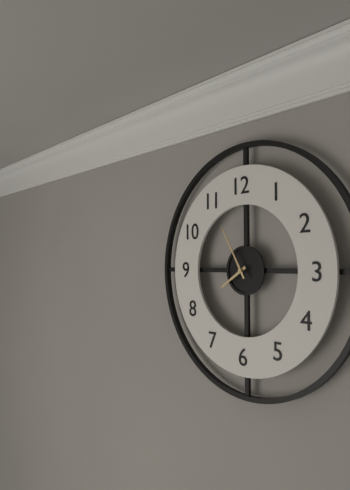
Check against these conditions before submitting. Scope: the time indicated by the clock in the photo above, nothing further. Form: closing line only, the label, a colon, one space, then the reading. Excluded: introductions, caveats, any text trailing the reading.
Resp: 7:55
